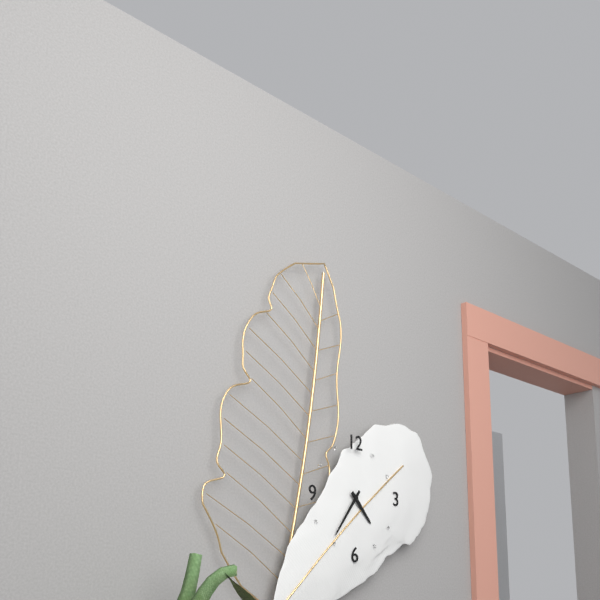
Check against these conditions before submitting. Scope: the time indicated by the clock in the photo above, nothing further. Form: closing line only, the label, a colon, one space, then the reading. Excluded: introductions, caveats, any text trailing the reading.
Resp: 4:36
